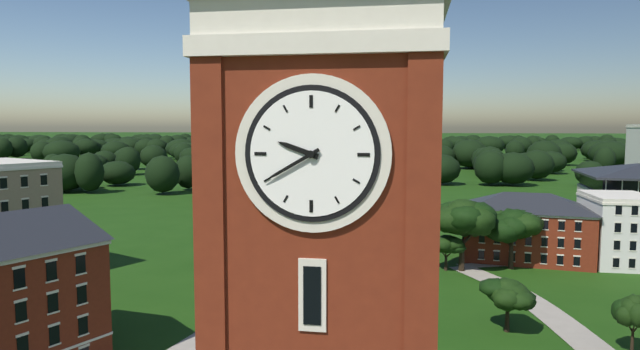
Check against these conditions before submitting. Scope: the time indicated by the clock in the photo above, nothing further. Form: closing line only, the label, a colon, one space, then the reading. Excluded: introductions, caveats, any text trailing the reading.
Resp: 9:40
